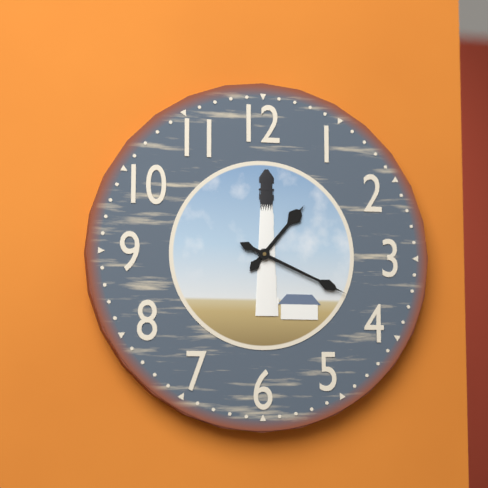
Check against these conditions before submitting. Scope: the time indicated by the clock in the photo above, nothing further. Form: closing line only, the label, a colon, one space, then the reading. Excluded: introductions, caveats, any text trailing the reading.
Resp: 1:19
